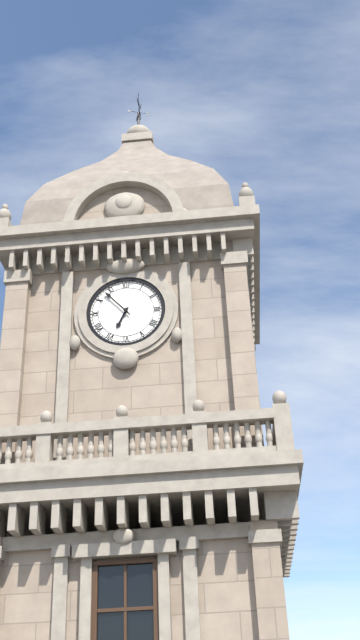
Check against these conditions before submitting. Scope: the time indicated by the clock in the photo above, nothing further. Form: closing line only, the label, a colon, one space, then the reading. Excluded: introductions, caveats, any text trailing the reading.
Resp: 6:53
